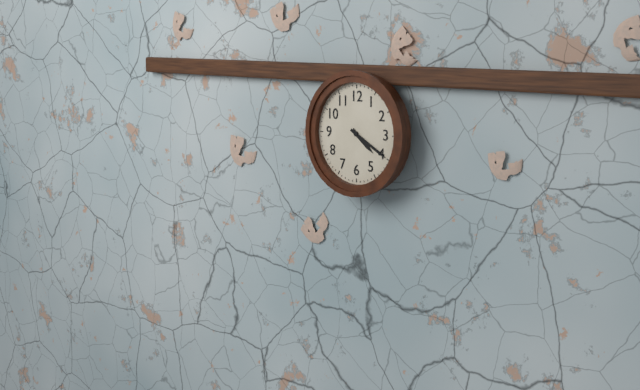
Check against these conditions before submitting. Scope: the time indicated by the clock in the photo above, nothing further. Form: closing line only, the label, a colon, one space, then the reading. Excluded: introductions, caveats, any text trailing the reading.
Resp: 4:20
